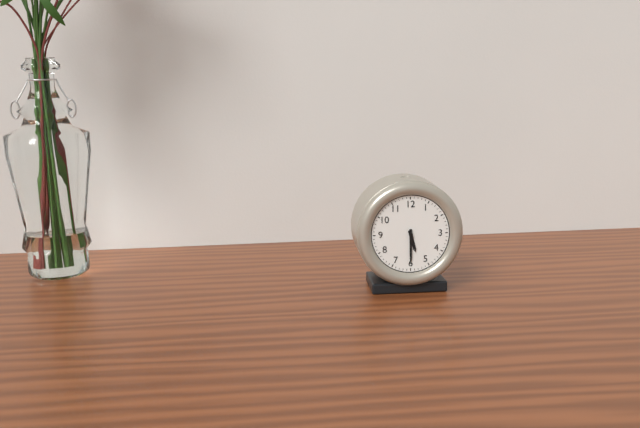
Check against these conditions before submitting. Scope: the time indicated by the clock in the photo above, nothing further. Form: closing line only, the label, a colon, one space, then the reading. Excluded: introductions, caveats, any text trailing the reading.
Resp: 5:30
